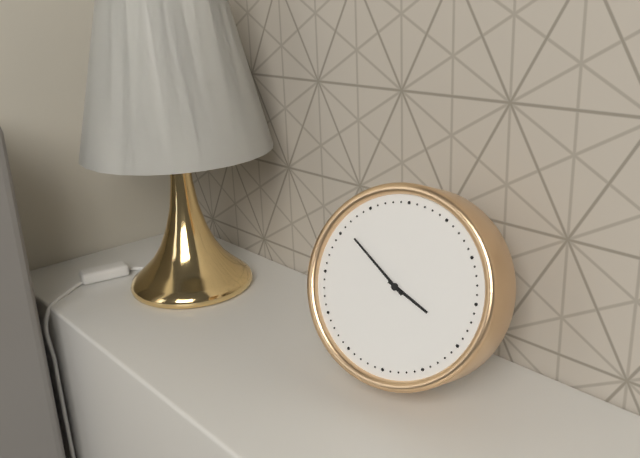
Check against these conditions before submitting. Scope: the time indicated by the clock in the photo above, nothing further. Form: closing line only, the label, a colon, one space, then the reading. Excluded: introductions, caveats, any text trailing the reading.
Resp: 3:51
